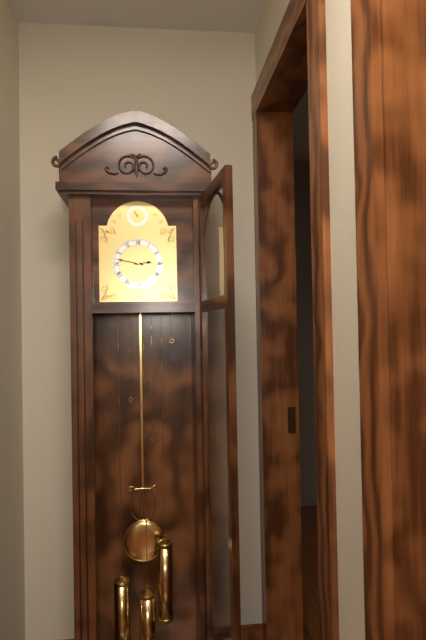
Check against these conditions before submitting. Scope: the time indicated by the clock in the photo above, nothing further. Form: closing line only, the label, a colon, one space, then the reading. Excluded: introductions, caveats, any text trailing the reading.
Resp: 2:47
